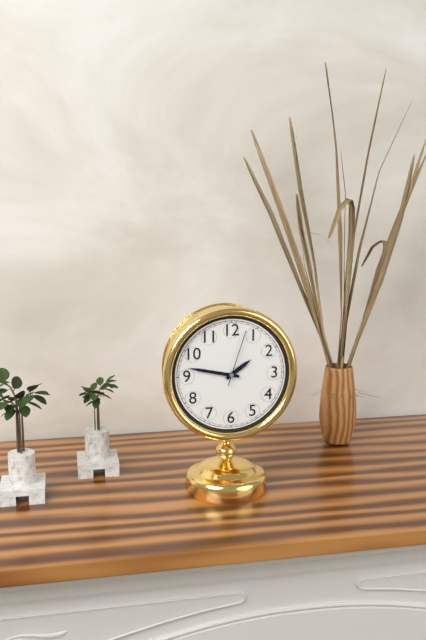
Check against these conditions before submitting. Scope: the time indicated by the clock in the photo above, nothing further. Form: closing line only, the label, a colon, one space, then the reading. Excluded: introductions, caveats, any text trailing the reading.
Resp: 1:47:03
